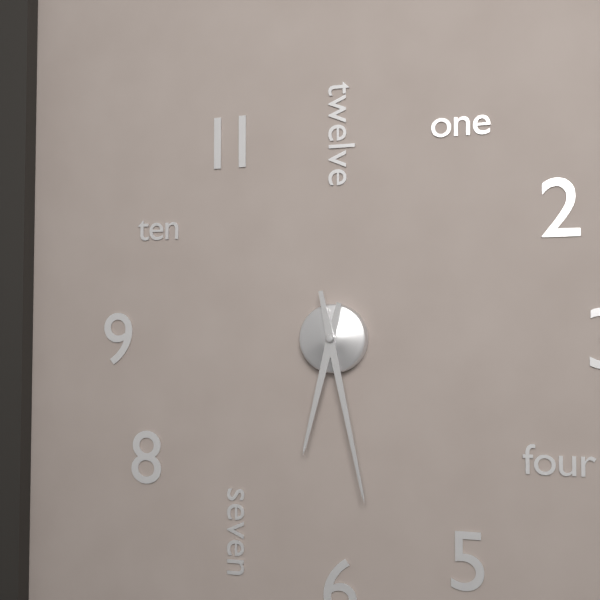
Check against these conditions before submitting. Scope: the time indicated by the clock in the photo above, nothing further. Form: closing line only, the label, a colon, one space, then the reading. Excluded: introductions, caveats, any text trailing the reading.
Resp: 6:28
